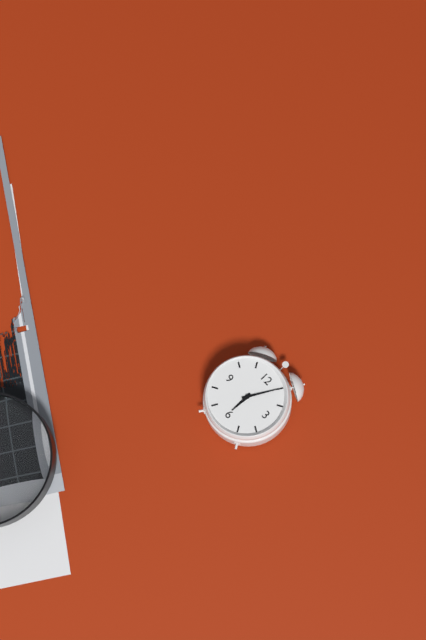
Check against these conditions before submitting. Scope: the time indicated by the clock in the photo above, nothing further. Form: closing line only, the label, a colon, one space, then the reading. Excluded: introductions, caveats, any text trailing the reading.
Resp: 6:05
